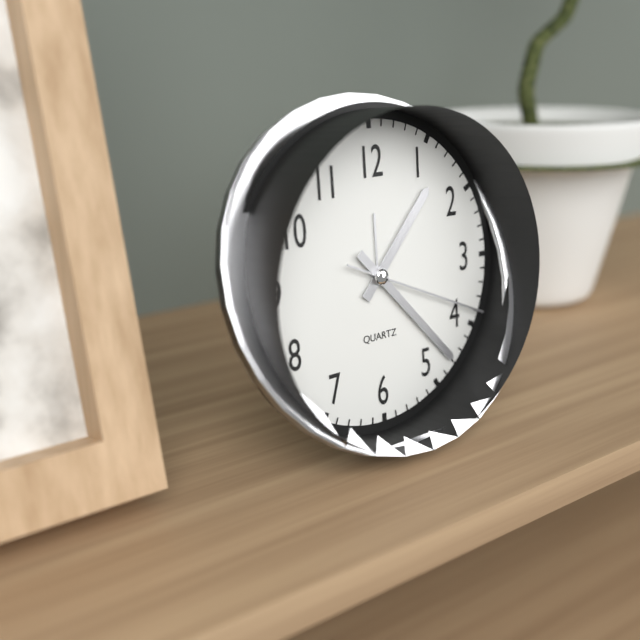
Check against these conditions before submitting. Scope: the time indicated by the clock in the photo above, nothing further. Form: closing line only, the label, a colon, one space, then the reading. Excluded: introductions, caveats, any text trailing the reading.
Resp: 1:23:19
